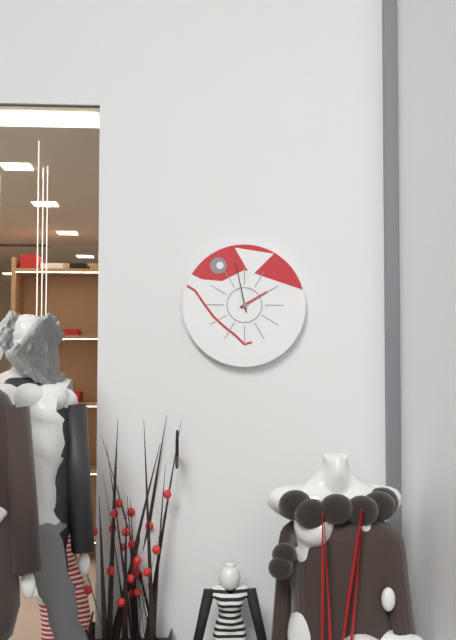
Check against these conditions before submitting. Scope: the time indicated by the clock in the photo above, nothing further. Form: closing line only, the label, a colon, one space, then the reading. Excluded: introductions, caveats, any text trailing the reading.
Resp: 1:58
